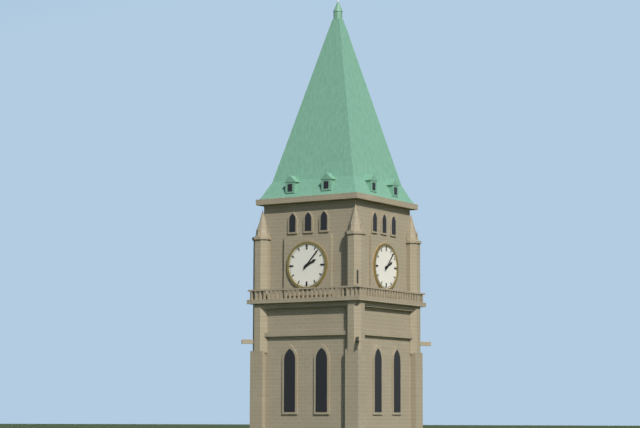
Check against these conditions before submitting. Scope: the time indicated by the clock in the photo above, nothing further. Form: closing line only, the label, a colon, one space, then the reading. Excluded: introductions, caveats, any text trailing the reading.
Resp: 2:07
